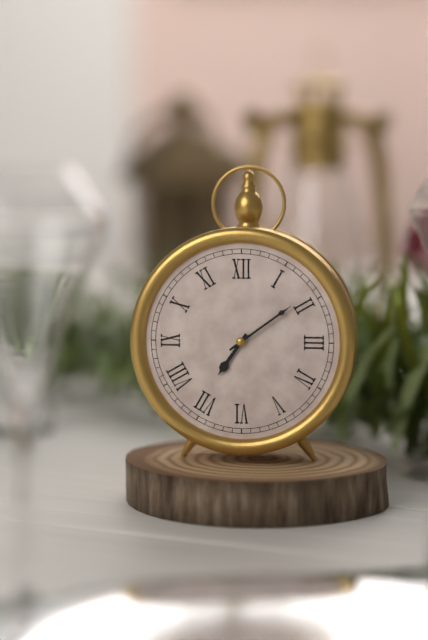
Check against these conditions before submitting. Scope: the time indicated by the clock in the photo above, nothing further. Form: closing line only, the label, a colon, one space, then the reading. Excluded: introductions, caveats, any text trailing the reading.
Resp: 7:09
